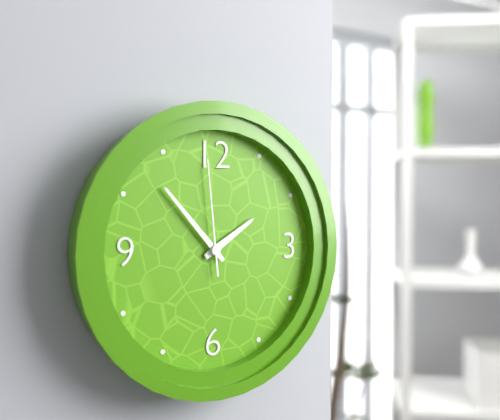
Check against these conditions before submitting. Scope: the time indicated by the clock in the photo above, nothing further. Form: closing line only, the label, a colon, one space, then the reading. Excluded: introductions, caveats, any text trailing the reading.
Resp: 1:53:59
